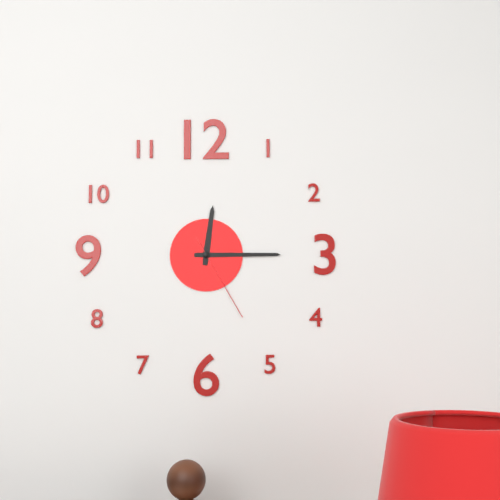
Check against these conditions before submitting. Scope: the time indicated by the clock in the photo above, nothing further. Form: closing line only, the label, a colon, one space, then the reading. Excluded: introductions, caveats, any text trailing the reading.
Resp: 12:15:25
